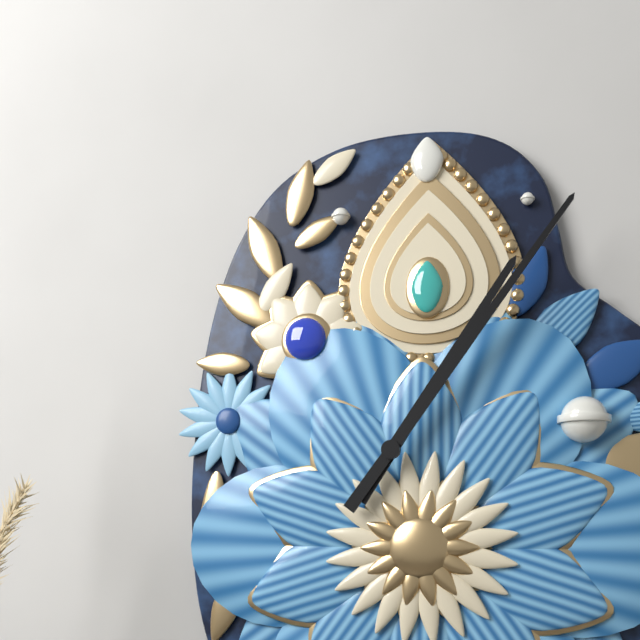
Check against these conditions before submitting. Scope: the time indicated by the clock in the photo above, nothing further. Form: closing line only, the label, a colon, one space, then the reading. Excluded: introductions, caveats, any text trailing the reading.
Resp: 1:06
